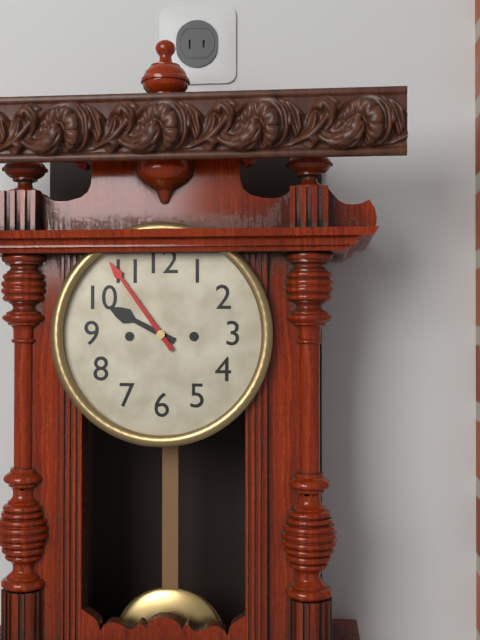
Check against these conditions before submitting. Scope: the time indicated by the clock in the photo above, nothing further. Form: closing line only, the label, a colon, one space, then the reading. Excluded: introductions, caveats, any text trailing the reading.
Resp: 9:54
